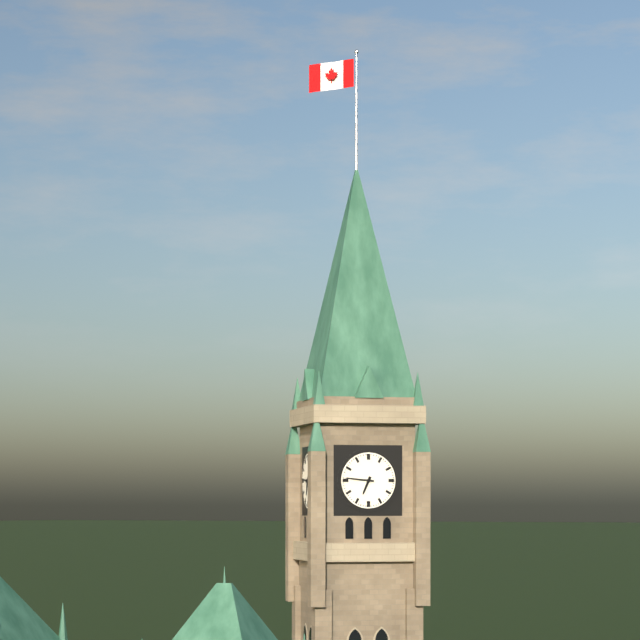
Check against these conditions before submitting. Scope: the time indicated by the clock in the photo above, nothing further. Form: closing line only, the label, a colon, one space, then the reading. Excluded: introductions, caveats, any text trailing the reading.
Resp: 6:46
